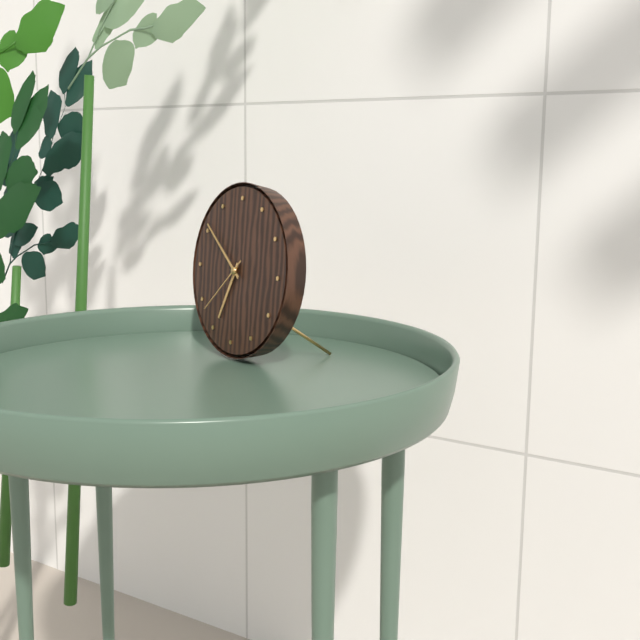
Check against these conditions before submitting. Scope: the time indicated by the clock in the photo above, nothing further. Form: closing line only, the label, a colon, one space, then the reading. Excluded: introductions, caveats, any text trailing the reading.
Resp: 6:51:38
